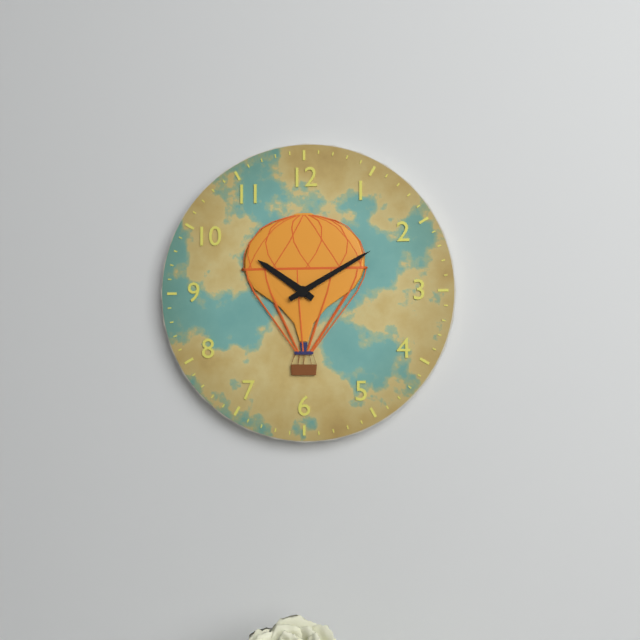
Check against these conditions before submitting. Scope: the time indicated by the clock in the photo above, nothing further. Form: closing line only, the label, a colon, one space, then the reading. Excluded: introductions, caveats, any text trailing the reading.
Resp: 10:10
